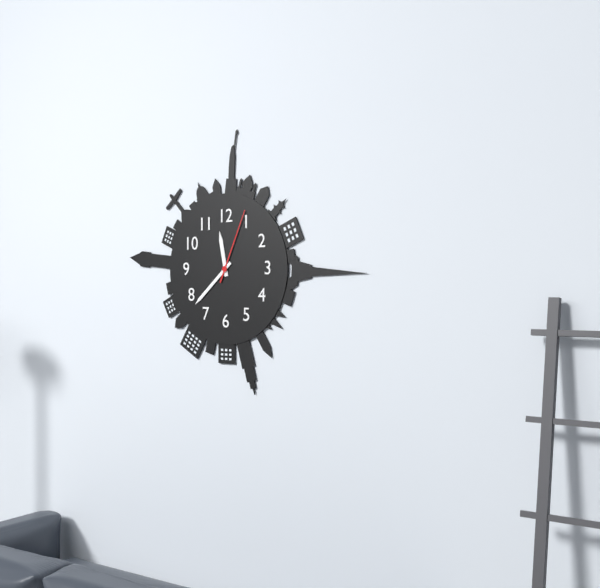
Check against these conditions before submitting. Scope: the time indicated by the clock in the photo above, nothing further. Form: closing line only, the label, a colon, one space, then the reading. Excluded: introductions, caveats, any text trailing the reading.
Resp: 11:38:04
